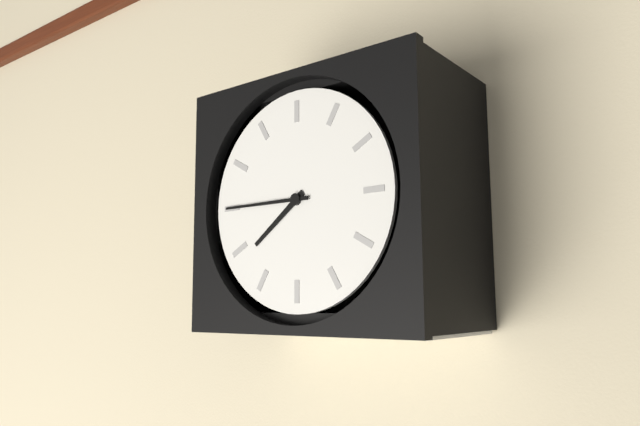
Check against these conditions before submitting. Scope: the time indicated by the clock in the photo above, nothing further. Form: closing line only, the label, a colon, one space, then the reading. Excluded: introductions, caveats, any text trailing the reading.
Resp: 7:45
